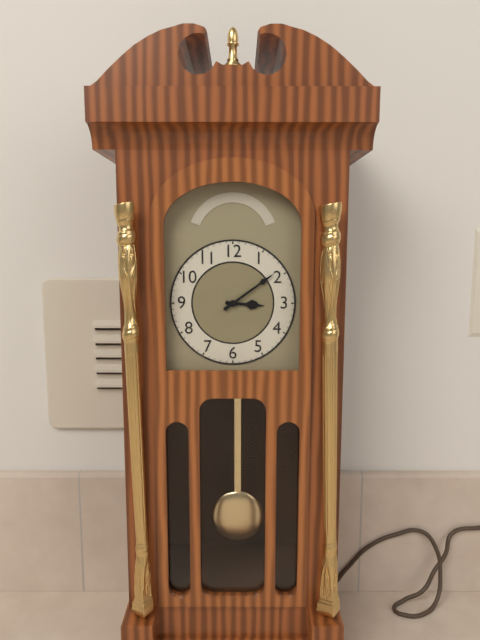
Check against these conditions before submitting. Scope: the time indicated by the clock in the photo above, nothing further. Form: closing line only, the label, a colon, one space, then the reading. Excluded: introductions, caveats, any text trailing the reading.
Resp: 3:09
